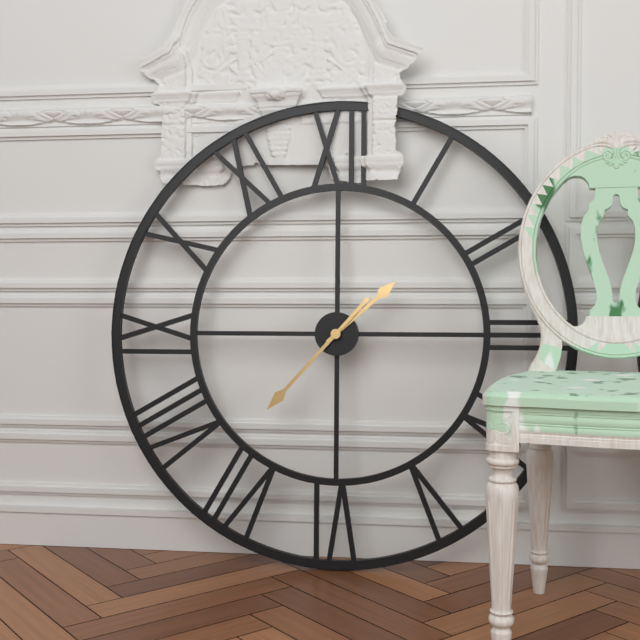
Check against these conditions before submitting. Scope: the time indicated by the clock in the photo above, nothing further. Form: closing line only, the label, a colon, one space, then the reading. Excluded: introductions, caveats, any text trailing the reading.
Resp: 1:37
